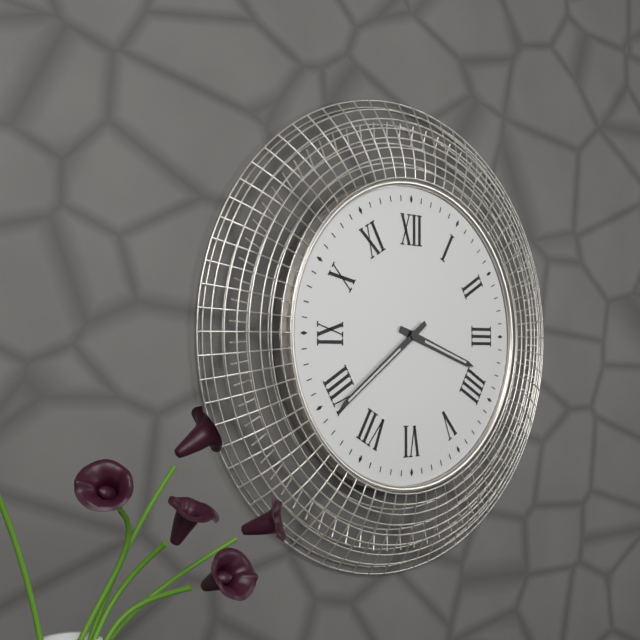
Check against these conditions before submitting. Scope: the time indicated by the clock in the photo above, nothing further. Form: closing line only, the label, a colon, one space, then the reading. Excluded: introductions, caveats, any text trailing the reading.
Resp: 3:39
